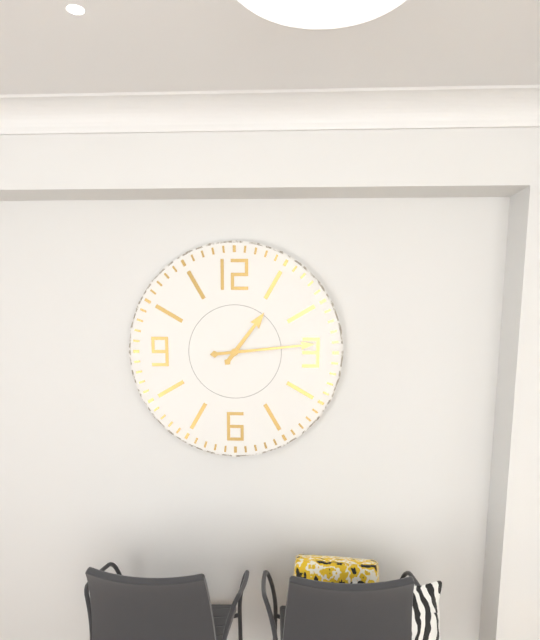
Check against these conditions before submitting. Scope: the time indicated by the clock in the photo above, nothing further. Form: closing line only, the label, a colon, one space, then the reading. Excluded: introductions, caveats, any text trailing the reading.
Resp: 1:14
